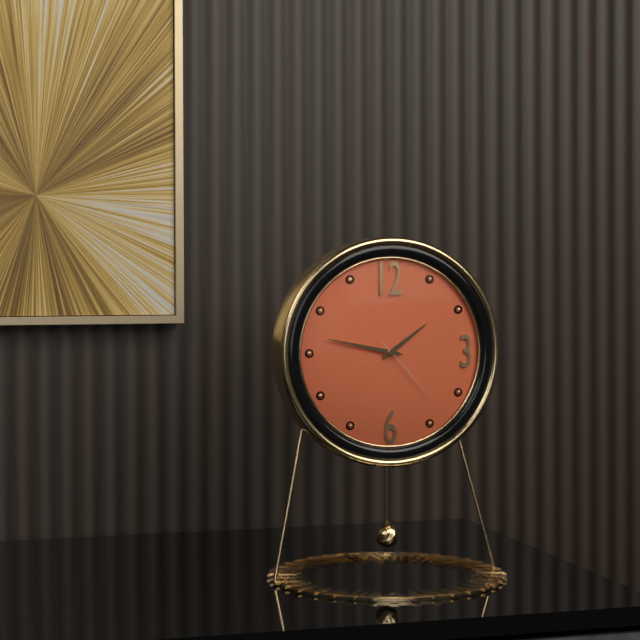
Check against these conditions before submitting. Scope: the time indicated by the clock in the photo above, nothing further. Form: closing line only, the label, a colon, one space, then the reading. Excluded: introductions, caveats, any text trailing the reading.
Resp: 1:47:23
